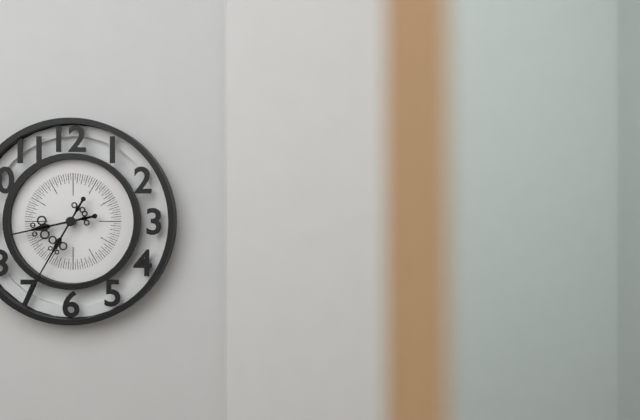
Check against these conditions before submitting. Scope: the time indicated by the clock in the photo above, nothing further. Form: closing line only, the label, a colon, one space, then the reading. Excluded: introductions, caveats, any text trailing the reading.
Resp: 8:35
